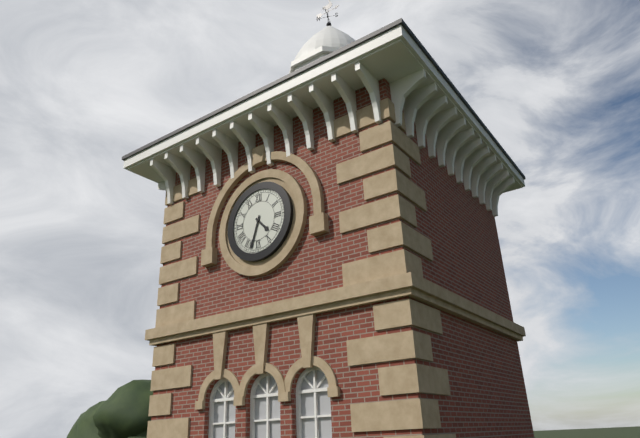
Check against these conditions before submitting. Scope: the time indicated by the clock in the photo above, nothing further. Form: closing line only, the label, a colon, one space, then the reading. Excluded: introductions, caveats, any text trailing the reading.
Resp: 4:33
